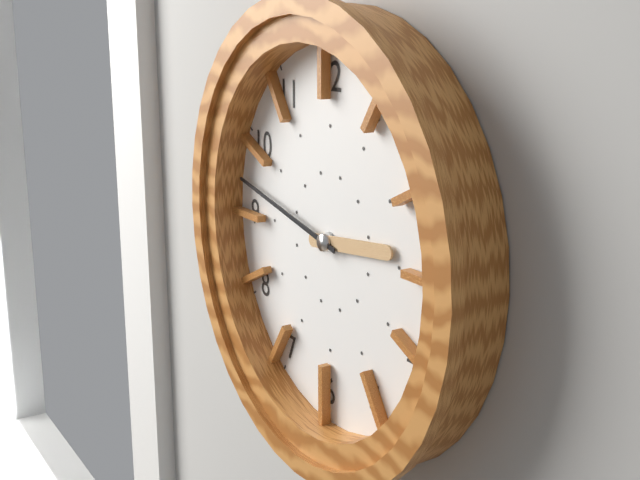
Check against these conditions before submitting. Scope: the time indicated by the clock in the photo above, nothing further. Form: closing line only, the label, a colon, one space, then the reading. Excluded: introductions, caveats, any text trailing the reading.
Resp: 2:47
